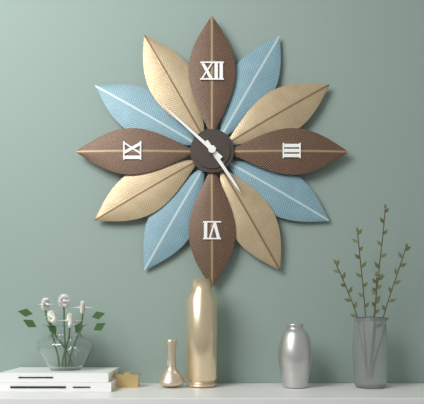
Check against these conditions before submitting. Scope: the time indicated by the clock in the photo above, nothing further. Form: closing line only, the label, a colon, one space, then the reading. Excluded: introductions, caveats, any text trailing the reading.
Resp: 4:52
